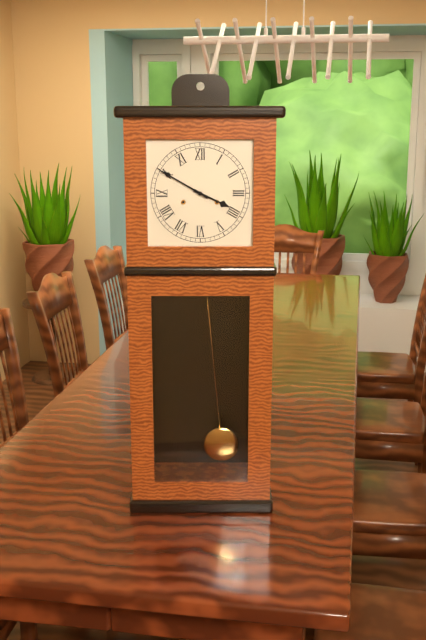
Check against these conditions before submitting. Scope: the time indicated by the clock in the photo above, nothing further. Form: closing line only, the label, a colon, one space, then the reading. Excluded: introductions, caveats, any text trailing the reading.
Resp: 3:50
